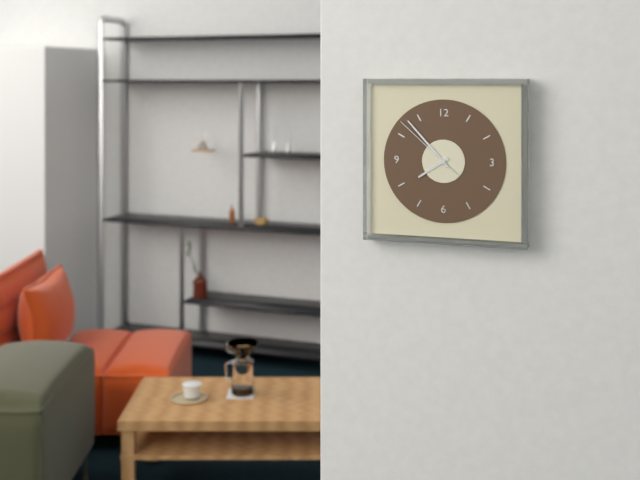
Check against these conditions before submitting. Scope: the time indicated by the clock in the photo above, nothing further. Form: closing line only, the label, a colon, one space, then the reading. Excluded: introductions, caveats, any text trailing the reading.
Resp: 7:53:52
